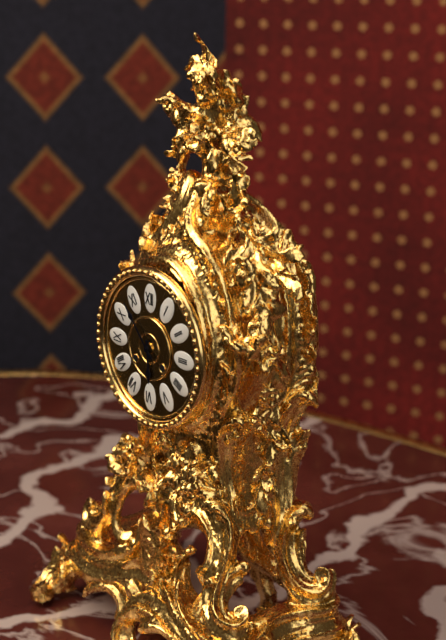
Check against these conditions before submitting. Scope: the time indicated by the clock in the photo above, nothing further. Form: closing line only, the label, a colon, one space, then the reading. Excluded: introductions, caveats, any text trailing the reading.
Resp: 5:53
